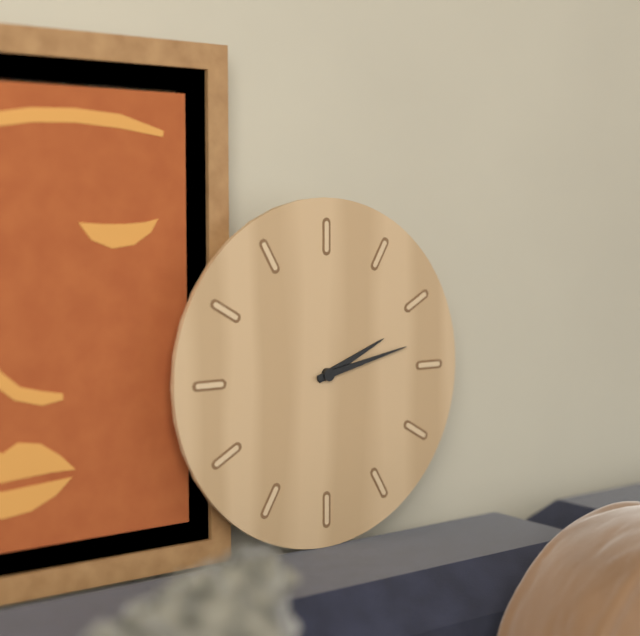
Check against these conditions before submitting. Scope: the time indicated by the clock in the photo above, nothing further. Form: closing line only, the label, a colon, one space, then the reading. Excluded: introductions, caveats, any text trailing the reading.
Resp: 2:13
